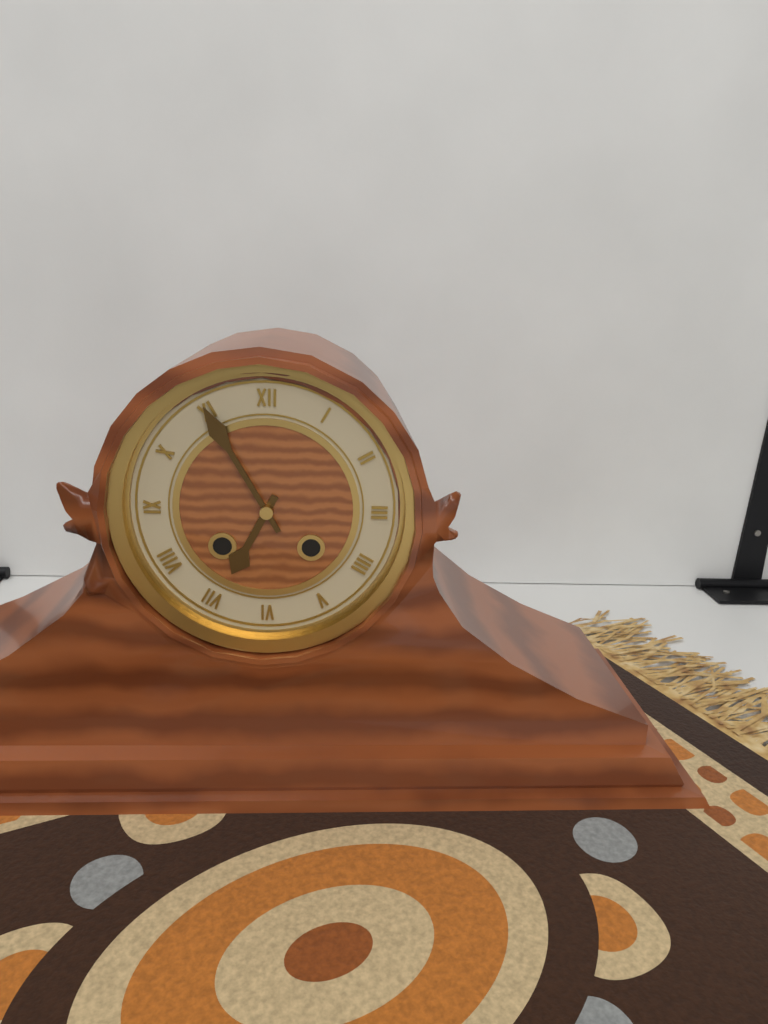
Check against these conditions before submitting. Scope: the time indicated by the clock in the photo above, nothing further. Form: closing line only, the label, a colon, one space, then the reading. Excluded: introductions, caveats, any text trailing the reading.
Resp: 6:55
